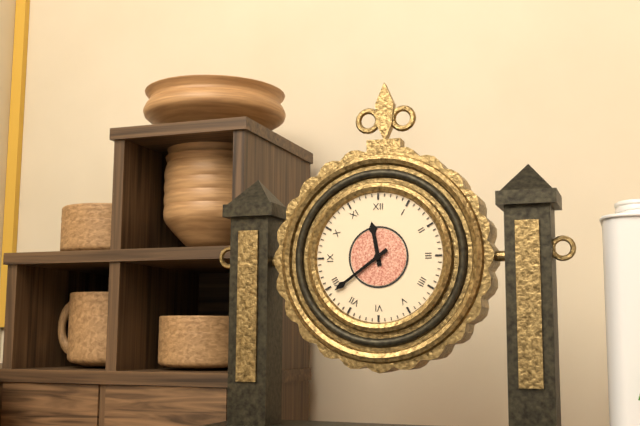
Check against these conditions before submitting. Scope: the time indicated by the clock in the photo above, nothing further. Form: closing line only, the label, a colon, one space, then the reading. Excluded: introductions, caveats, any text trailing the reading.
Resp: 11:39
